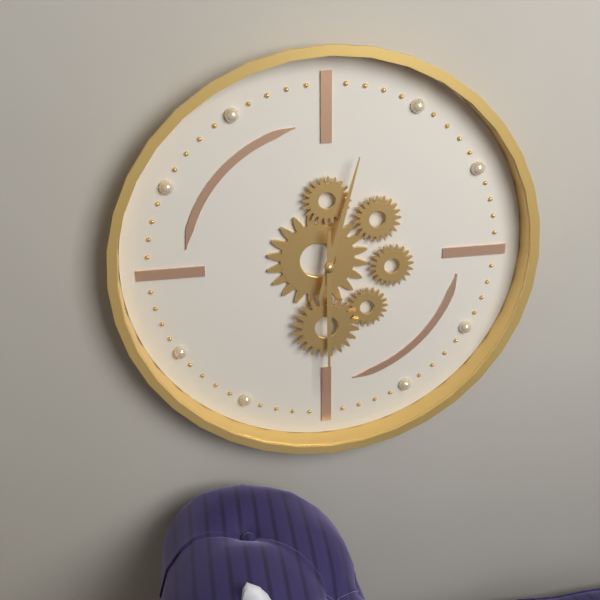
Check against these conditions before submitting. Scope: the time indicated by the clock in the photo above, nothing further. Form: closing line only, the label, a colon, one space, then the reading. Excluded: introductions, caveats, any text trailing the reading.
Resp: 12:30
